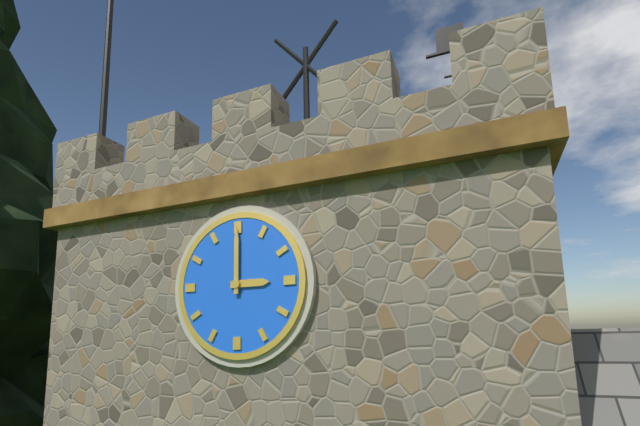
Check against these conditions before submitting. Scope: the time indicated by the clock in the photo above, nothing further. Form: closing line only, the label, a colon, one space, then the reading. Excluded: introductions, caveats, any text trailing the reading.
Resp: 3:00
